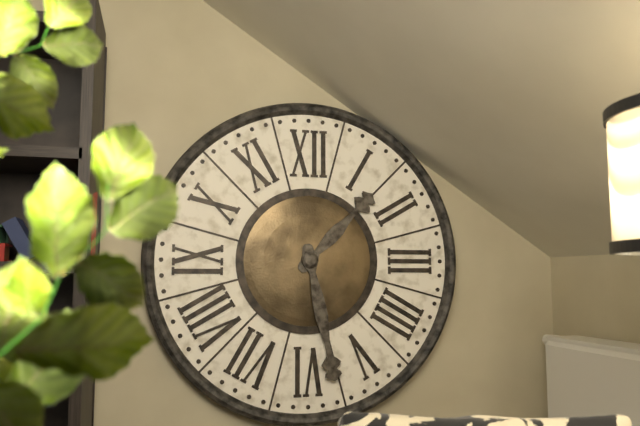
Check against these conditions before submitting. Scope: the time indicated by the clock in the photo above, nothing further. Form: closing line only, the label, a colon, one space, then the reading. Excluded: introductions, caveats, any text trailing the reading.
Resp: 1:28
